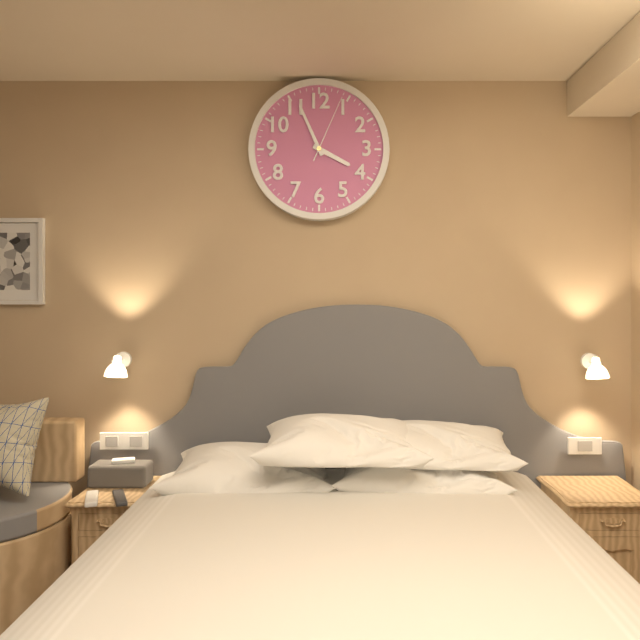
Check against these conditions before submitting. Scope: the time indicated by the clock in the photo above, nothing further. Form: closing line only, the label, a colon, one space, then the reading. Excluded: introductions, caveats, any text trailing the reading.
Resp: 3:56:04
